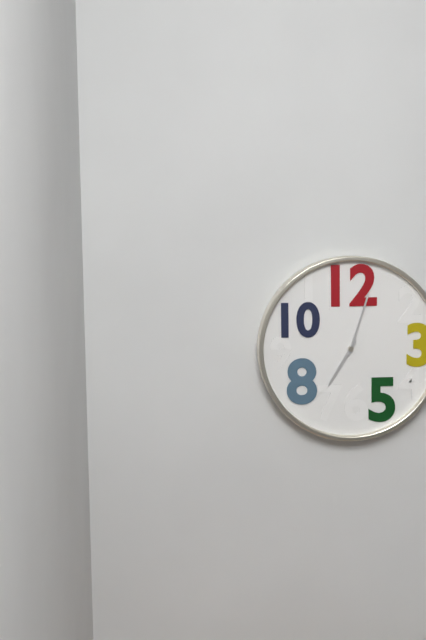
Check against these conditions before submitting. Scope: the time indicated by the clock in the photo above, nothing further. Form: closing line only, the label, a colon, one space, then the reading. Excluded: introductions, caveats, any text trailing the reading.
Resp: 7:03
